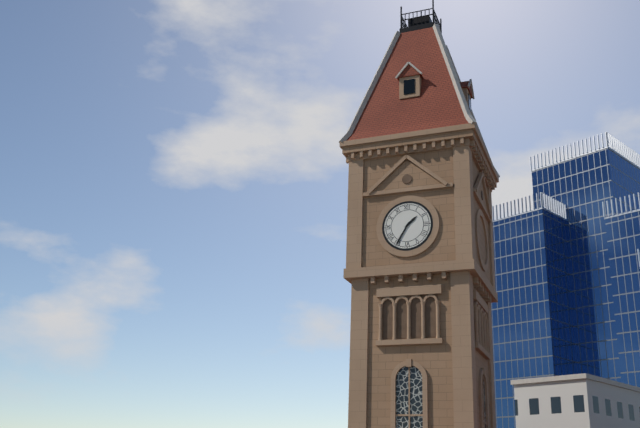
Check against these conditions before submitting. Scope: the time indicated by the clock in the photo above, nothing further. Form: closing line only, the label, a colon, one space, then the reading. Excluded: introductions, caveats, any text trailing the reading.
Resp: 1:35
